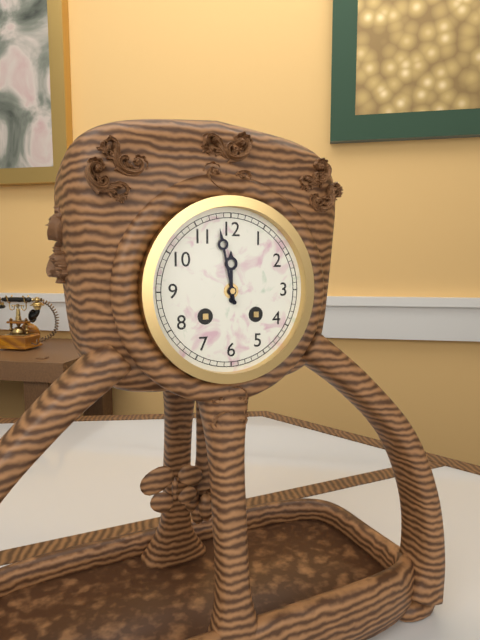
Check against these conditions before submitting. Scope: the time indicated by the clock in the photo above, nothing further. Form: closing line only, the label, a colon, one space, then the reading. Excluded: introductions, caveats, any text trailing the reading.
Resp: 11:58
